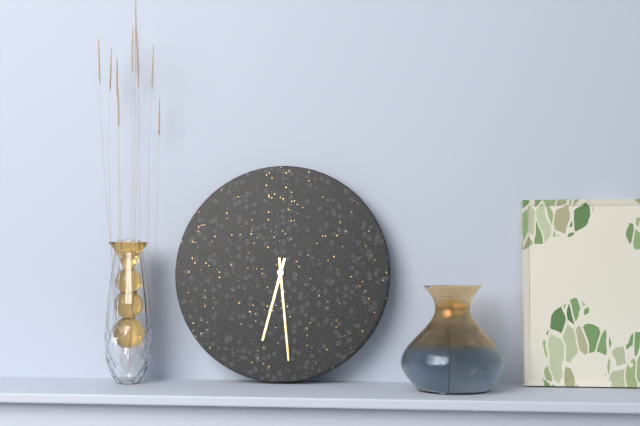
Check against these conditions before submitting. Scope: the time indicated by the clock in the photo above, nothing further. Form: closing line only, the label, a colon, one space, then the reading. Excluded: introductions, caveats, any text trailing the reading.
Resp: 6:29
